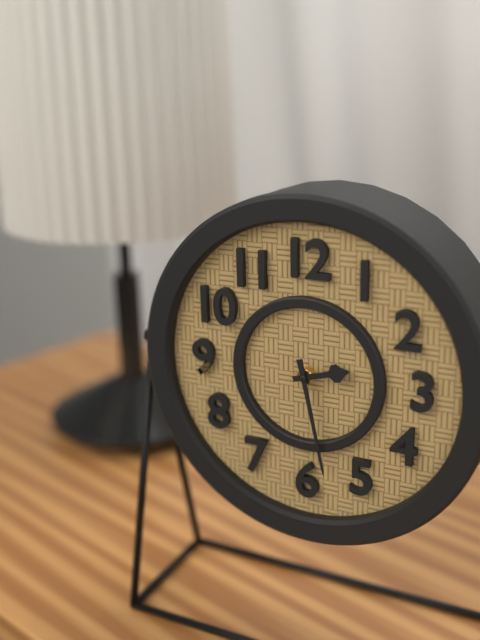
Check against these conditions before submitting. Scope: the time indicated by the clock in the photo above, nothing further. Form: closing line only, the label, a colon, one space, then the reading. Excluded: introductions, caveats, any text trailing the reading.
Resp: 2:28
